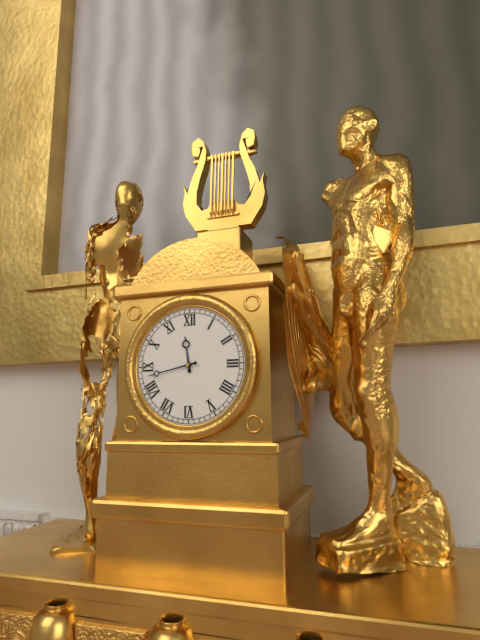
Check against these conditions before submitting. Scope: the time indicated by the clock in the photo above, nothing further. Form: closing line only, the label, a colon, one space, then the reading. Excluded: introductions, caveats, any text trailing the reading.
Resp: 11:43
